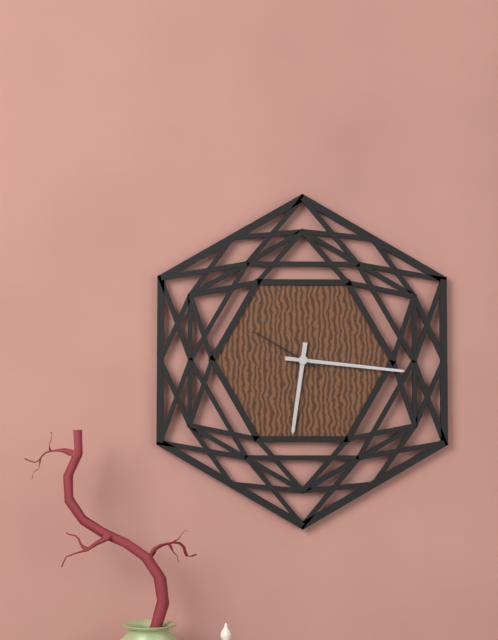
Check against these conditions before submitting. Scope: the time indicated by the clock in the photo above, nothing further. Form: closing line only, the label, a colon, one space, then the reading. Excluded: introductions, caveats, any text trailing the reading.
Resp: 6:16:50
